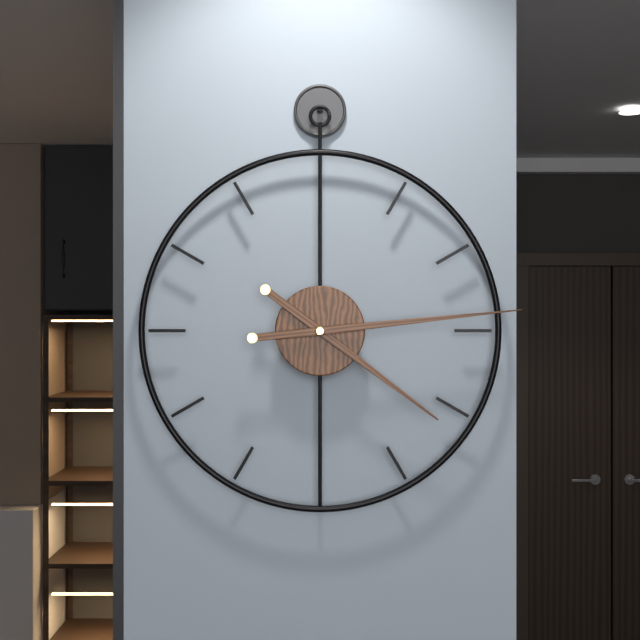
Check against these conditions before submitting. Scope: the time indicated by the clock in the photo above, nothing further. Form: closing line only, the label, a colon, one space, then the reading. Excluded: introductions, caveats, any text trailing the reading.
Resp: 4:14
